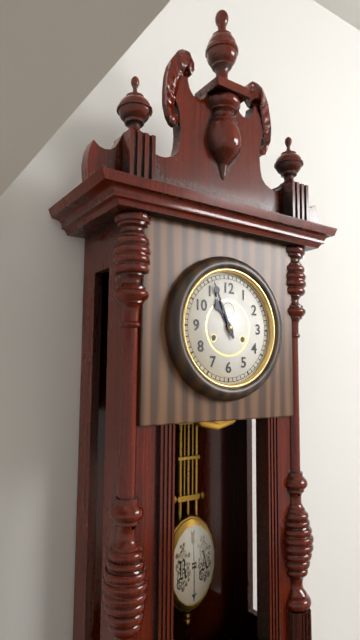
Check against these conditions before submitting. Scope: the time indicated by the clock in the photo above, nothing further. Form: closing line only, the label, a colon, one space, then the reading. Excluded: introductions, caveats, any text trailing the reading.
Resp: 10:56
